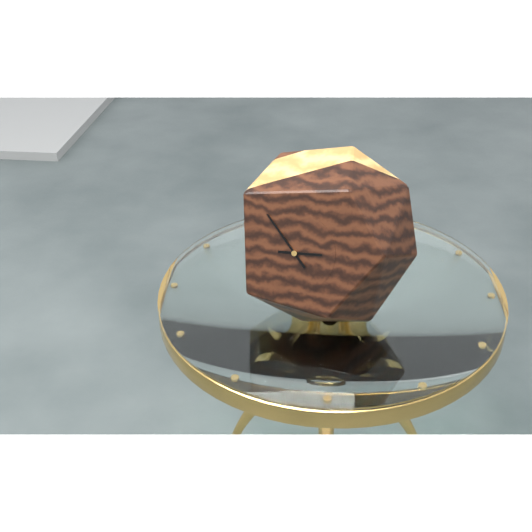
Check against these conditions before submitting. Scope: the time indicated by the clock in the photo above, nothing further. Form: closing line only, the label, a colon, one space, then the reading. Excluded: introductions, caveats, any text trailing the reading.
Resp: 2:53
